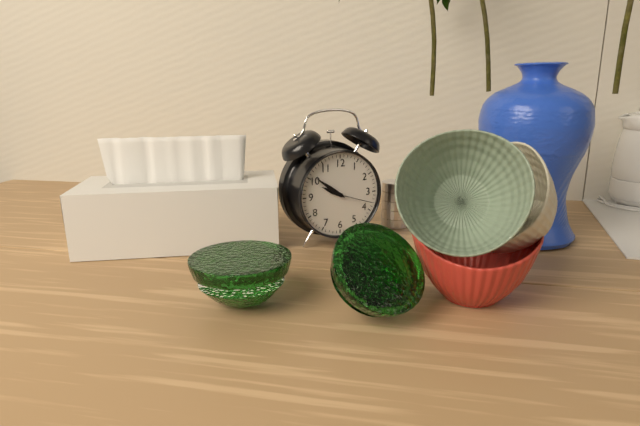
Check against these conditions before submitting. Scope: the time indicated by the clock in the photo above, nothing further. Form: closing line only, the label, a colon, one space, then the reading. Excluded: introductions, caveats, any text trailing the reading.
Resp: 9:51
